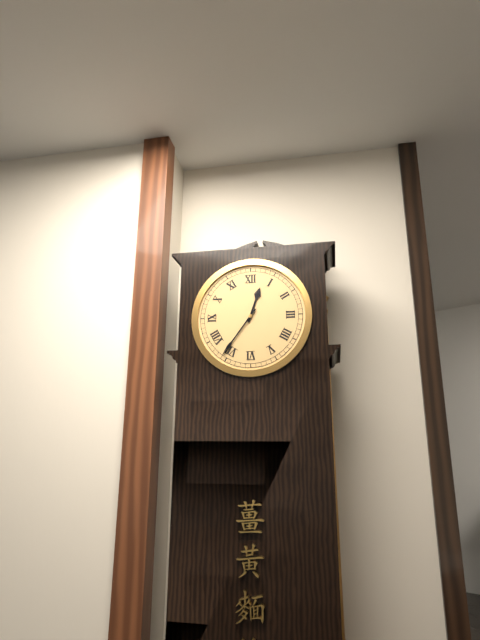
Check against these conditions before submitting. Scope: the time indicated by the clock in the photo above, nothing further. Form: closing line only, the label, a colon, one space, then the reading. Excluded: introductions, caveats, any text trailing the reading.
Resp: 12:36
